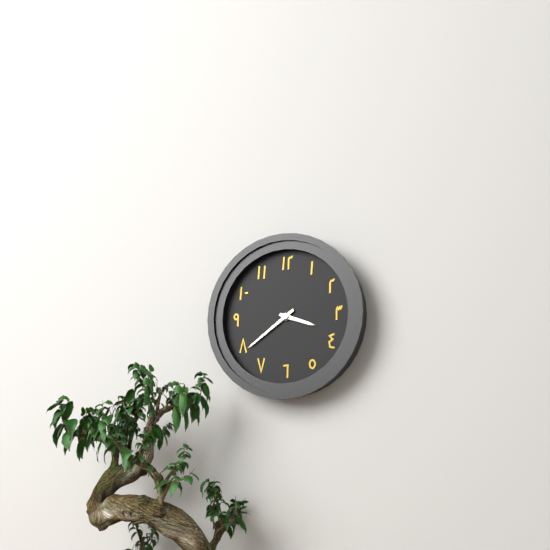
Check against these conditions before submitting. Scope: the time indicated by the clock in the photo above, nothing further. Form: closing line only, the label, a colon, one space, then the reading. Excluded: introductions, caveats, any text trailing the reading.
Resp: 3:39
